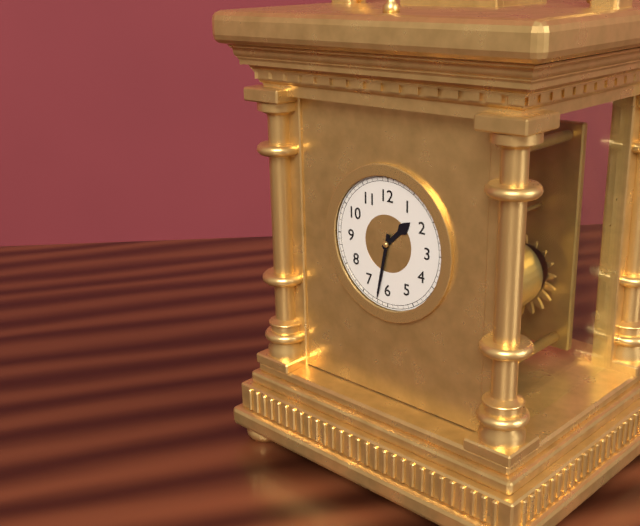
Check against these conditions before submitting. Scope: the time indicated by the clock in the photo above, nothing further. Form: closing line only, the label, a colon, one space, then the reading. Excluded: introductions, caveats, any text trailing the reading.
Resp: 1:32
